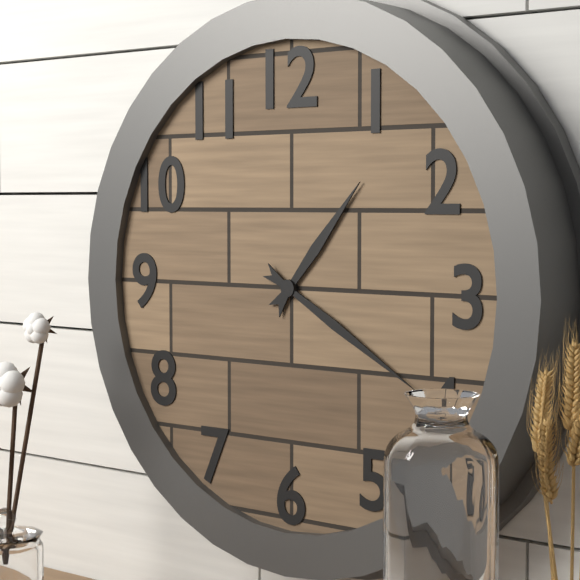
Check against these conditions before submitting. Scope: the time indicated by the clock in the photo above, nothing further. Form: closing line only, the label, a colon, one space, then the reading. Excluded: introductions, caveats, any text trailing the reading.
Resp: 1:20
